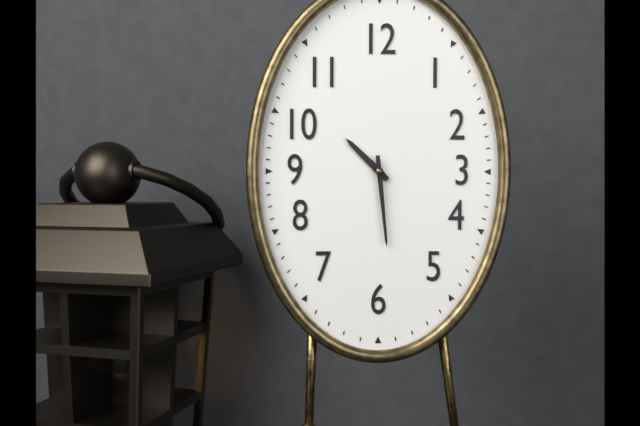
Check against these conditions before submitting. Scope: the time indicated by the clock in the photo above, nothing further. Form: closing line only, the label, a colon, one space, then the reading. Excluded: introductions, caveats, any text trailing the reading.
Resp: 10:29
